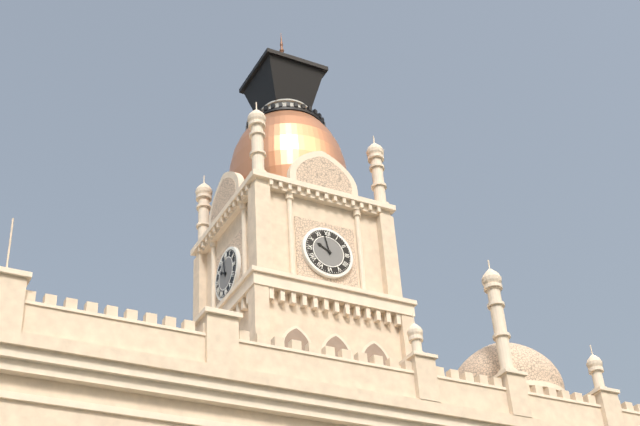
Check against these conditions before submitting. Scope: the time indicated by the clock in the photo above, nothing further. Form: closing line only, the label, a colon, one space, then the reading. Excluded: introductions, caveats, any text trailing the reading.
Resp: 9:58
